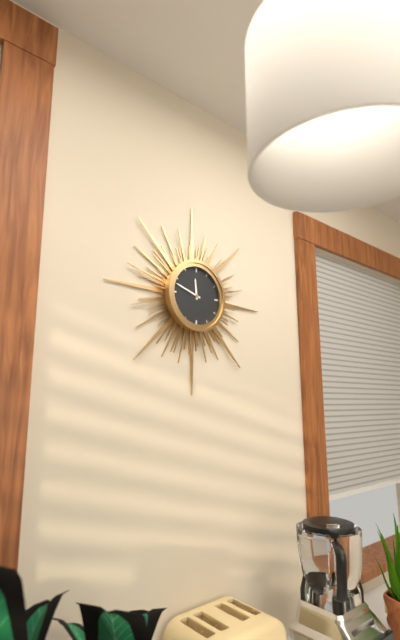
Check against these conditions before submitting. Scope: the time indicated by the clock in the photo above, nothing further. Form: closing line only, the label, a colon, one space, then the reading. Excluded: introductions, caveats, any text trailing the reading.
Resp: 11:48
